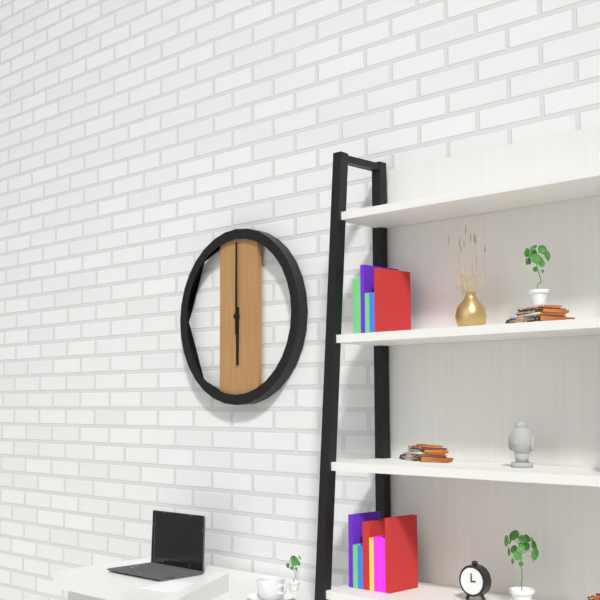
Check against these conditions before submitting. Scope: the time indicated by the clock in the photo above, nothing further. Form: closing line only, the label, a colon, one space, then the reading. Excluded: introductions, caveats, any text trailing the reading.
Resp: 6:00
